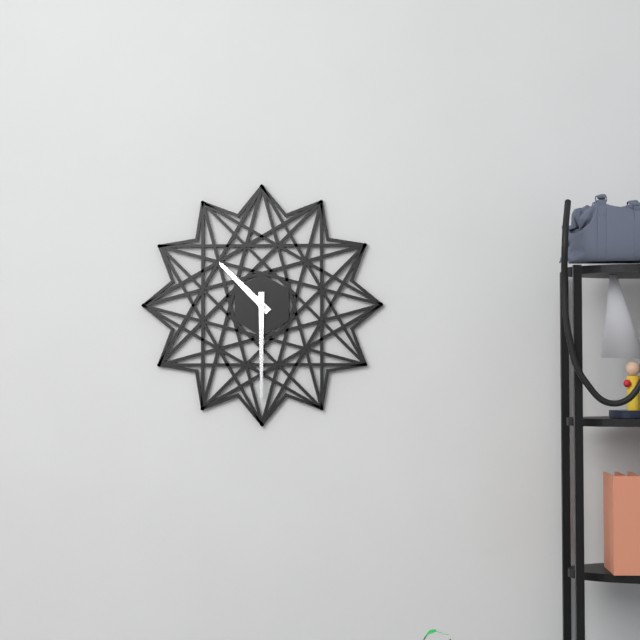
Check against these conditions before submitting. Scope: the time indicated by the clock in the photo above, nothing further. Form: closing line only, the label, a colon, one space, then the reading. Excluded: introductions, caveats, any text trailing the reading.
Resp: 10:30
